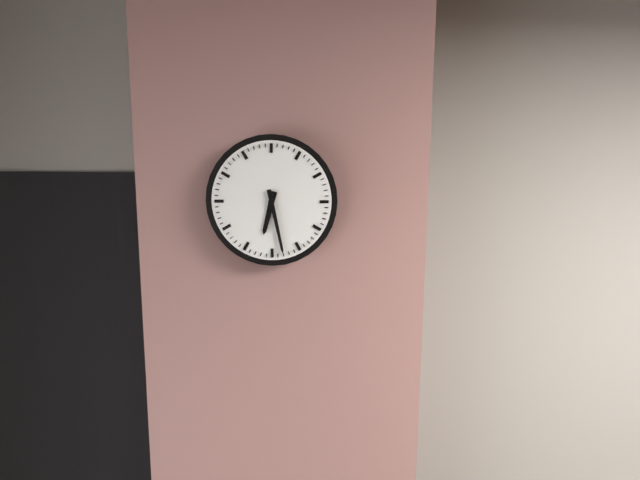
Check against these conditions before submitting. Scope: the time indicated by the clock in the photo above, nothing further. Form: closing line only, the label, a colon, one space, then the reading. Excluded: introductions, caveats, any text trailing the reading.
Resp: 6:28
